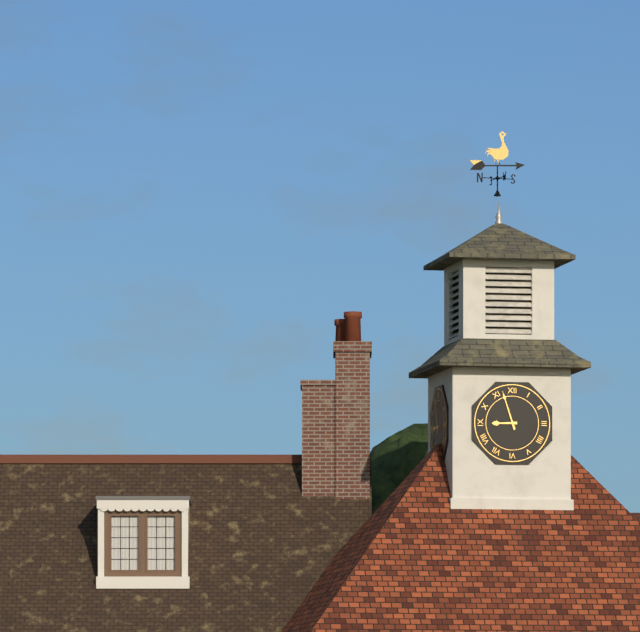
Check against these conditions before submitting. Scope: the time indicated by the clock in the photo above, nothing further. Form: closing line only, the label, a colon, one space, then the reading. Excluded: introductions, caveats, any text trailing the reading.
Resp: 8:57
